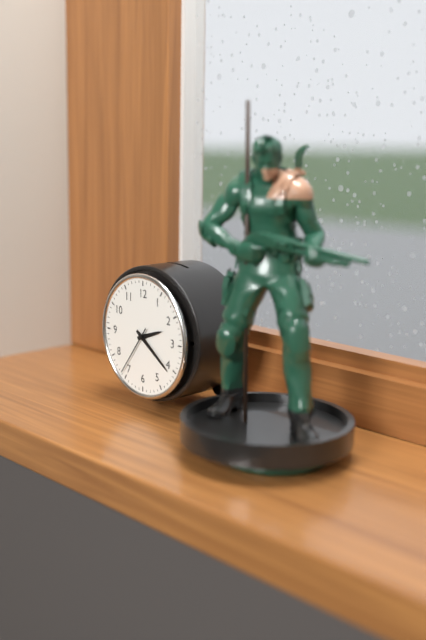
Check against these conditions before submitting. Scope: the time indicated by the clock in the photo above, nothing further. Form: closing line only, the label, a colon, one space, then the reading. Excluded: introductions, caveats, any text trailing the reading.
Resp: 2:21:36
